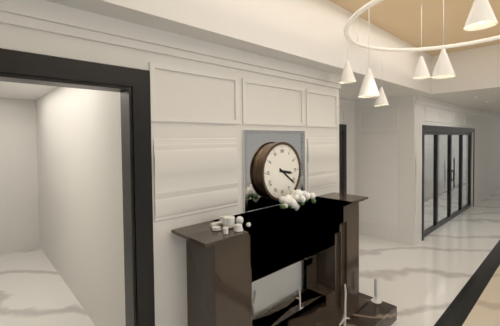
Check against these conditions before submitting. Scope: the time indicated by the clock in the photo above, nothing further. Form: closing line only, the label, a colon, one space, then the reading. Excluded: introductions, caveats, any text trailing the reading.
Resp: 3:21
